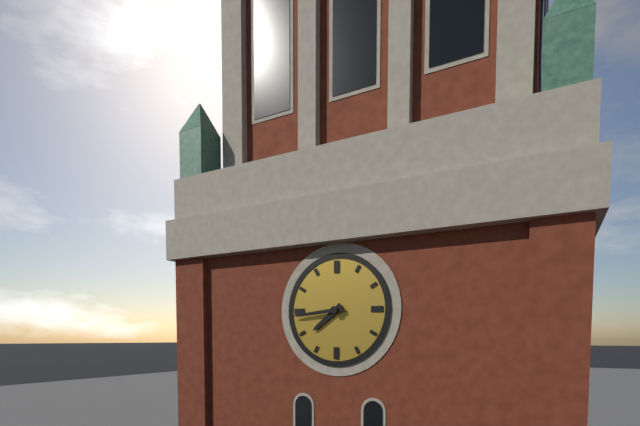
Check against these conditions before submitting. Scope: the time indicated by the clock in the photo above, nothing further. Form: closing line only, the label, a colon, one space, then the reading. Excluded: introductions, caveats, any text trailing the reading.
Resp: 7:44
